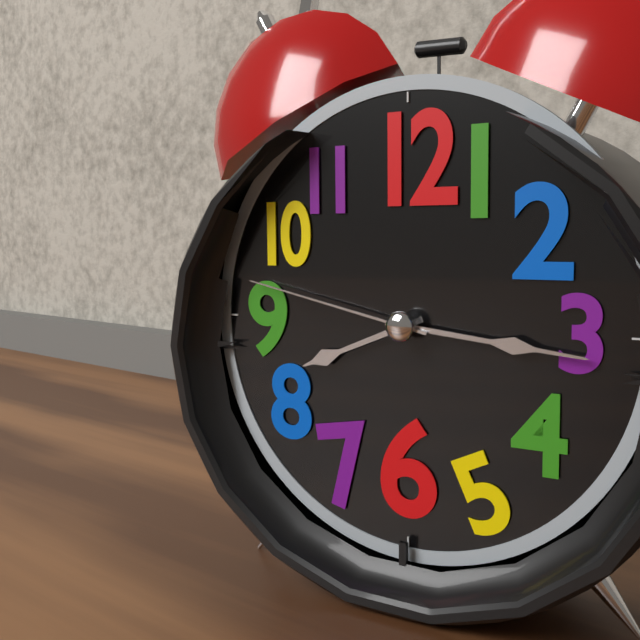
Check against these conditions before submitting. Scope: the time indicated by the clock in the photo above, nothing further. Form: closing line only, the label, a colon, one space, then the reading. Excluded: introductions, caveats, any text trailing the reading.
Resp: 8:16:47
